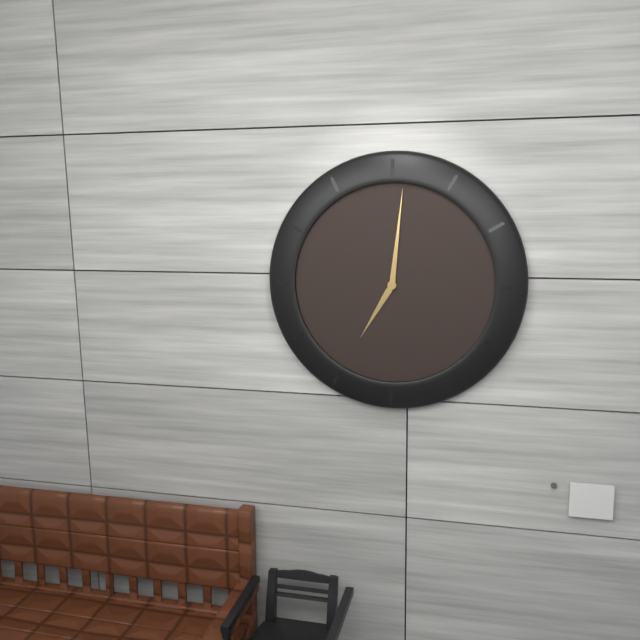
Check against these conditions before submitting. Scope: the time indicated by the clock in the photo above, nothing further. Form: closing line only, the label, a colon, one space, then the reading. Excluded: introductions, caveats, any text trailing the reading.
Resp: 7:01
